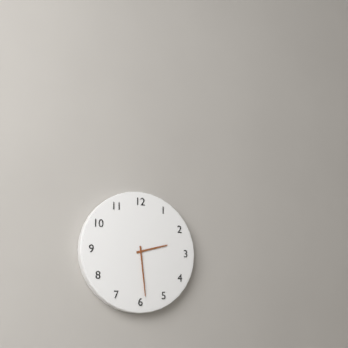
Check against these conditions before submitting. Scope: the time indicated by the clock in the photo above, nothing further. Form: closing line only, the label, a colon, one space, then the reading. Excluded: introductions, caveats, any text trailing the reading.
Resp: 2:29
